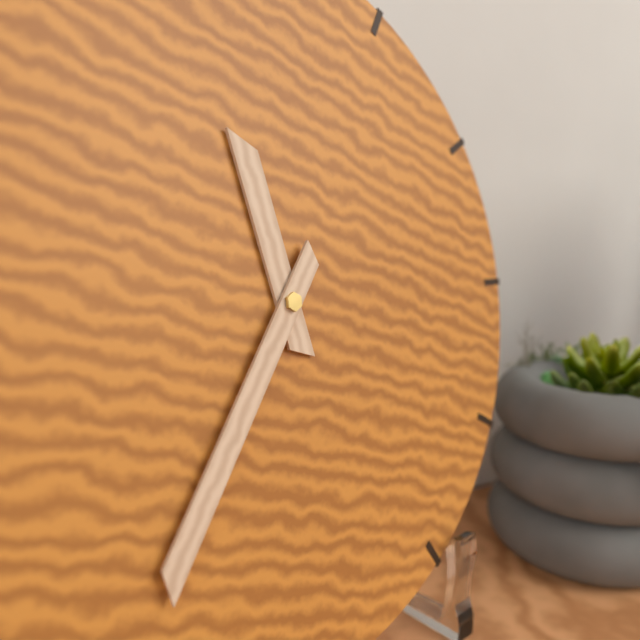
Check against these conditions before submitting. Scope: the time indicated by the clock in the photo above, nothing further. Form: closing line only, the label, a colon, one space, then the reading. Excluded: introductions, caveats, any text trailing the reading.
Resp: 11:36
